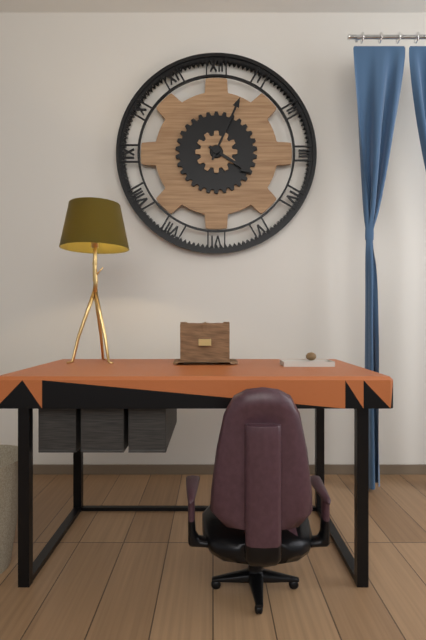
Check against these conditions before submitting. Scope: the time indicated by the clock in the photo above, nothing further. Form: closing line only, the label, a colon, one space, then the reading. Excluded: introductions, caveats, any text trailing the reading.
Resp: 4:04
